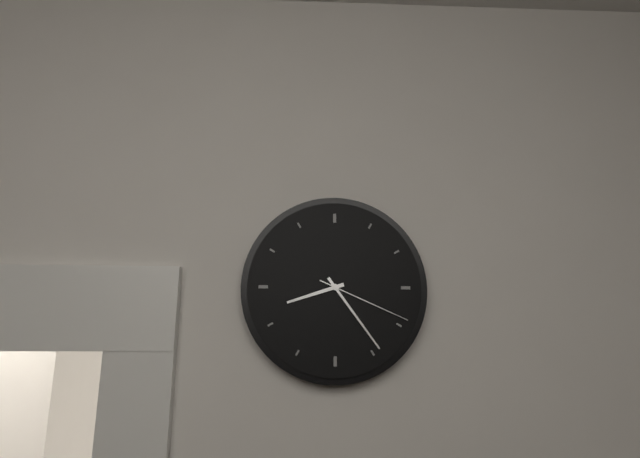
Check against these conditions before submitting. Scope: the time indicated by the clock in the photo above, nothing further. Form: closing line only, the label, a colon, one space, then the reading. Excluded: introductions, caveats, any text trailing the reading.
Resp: 8:24:19
